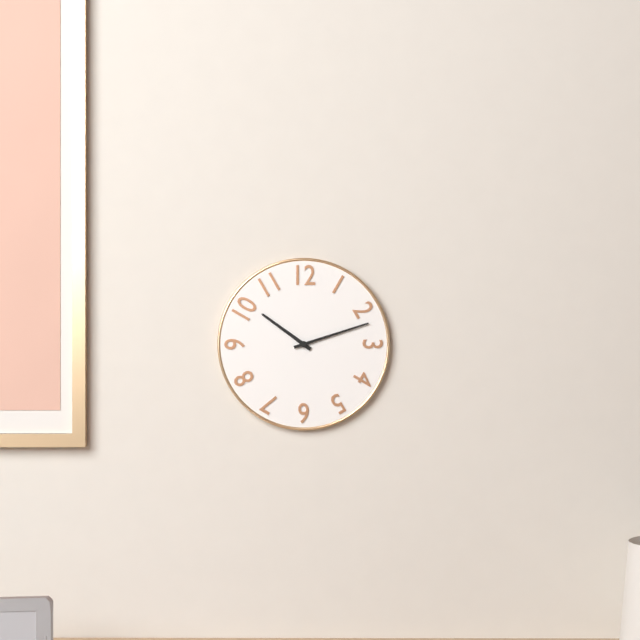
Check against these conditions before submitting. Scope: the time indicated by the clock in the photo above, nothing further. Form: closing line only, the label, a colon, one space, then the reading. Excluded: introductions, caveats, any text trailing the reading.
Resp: 10:12
